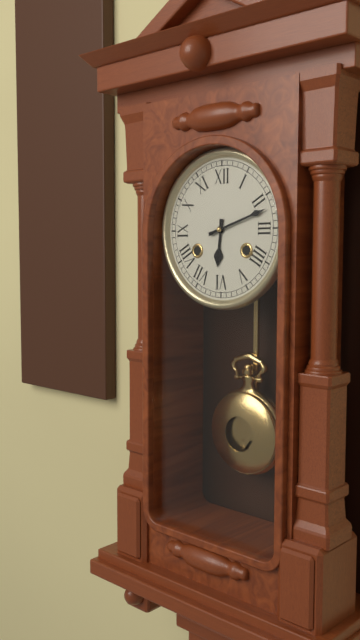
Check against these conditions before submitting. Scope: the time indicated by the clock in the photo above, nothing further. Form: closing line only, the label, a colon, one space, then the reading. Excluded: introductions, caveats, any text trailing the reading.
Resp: 6:12
